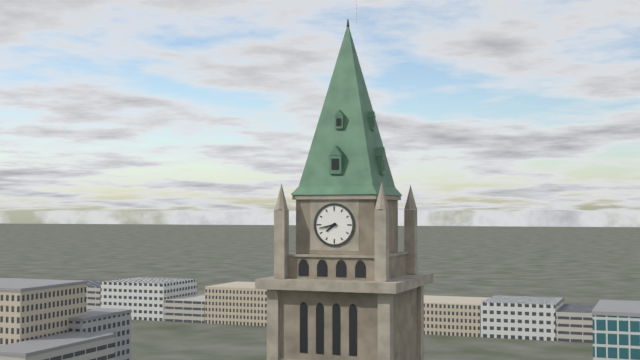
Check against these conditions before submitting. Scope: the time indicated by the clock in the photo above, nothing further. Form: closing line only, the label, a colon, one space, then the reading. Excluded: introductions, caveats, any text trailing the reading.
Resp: 7:43
